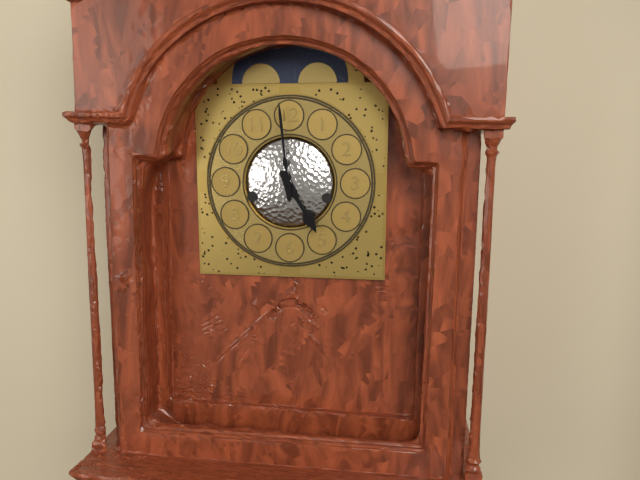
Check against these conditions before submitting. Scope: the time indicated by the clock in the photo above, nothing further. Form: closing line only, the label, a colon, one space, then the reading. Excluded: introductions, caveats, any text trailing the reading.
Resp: 4:59
